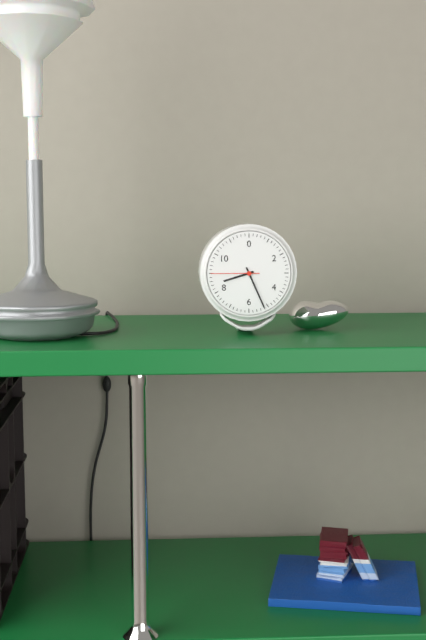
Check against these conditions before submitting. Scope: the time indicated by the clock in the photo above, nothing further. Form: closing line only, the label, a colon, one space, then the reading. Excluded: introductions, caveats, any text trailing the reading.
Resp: 8:26
